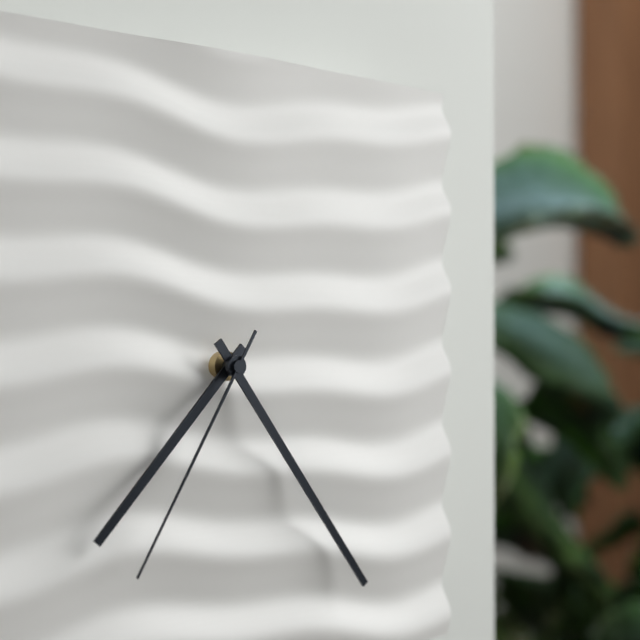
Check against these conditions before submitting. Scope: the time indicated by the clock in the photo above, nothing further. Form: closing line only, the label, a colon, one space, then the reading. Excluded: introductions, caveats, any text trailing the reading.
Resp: 7:24:35
